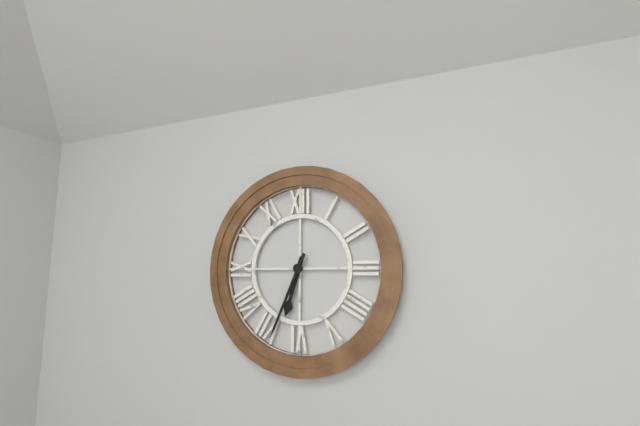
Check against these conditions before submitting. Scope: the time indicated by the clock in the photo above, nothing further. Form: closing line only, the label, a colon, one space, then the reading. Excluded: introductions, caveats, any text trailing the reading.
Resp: 6:34
